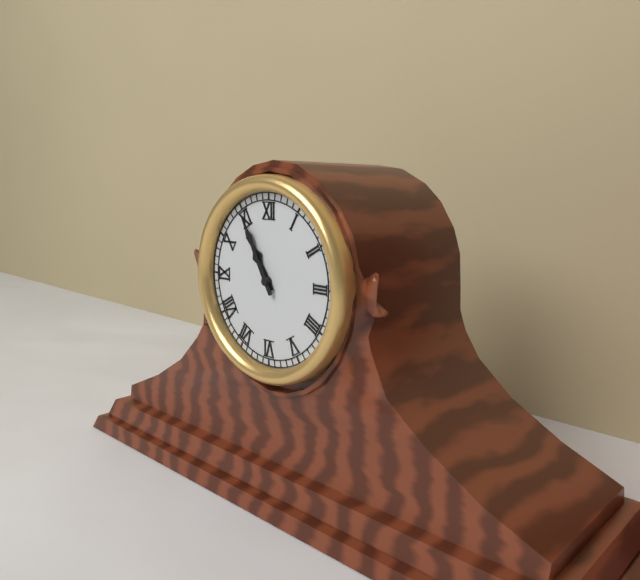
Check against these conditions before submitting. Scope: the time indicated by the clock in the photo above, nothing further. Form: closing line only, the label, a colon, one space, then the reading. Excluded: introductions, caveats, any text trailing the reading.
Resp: 10:55
